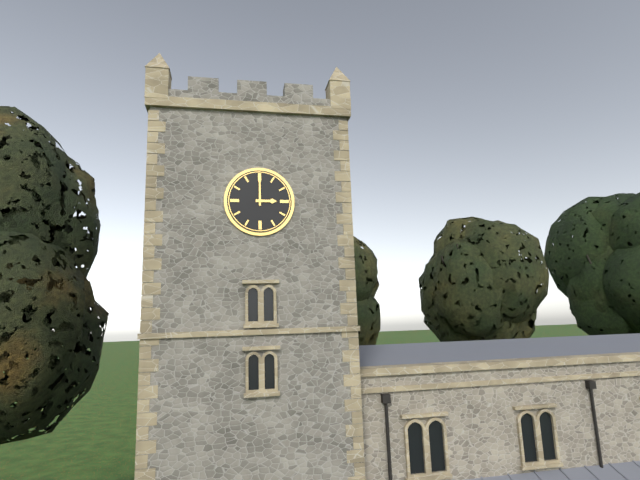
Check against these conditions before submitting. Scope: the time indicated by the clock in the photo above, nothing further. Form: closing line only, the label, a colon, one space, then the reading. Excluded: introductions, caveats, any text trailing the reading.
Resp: 3:00
